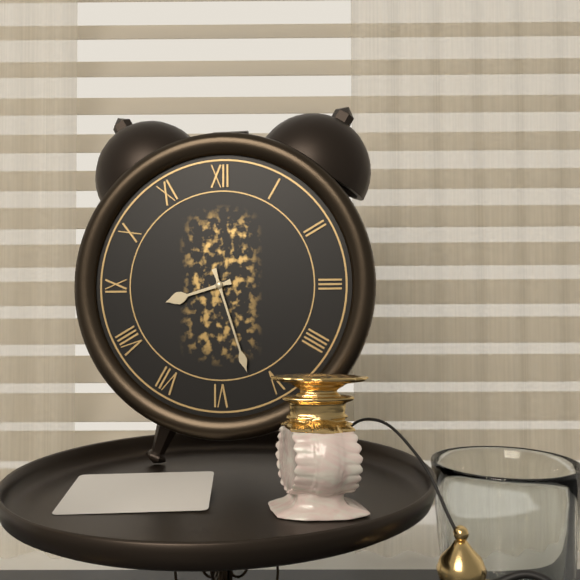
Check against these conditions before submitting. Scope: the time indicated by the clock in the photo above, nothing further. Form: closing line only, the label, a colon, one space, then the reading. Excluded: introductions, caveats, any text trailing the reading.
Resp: 8:27
